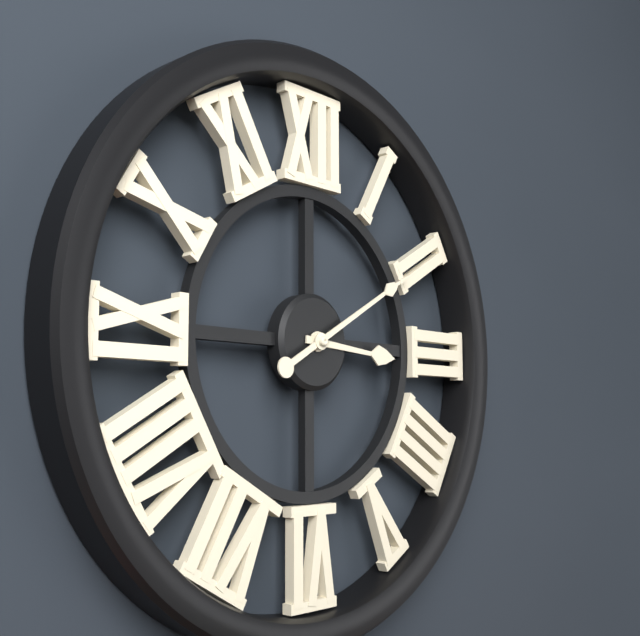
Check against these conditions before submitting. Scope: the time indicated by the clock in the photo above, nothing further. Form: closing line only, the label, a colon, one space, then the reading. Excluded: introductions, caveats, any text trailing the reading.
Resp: 3:10
